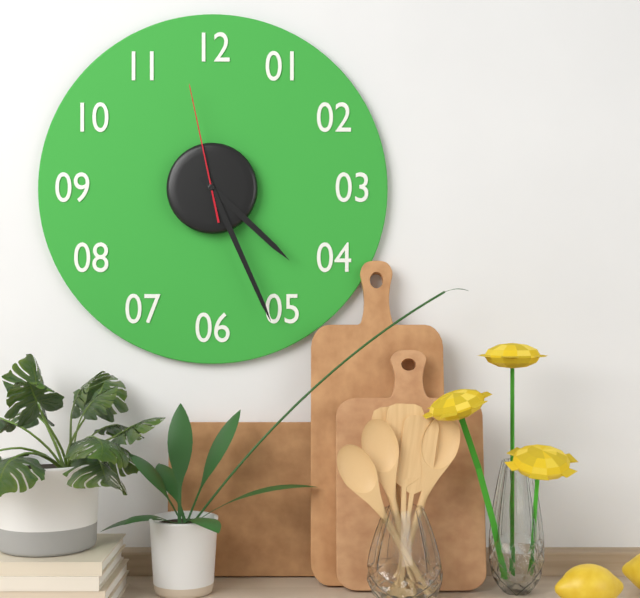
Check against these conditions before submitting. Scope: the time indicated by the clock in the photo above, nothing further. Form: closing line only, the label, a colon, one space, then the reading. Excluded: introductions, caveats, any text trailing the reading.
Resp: 4:26:58
